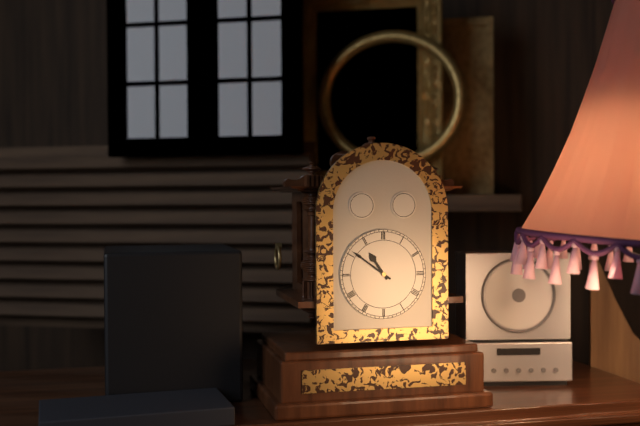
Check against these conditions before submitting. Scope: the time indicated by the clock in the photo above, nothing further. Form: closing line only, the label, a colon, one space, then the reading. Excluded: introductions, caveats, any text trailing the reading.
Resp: 10:51
